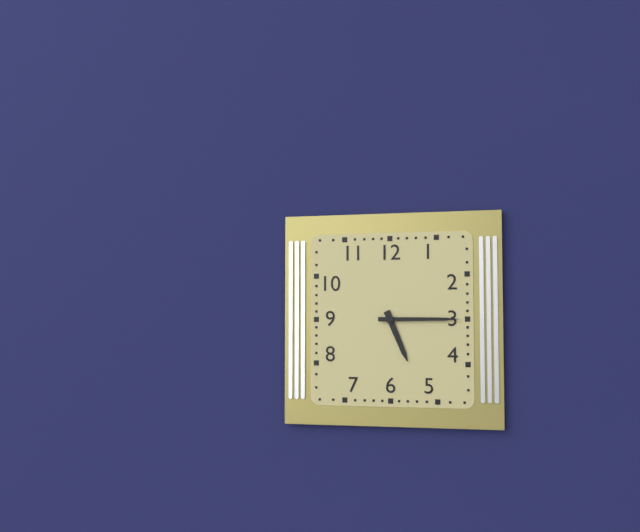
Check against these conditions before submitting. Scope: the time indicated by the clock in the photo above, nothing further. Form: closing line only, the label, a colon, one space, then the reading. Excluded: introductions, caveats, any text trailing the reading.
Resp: 5:15
